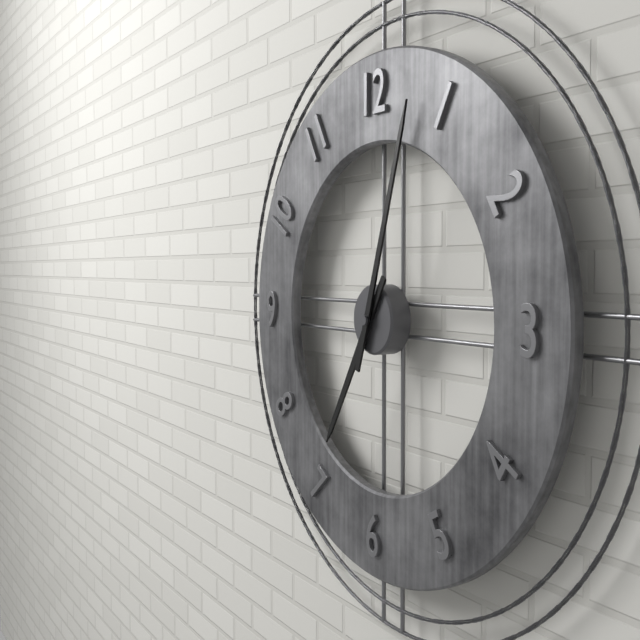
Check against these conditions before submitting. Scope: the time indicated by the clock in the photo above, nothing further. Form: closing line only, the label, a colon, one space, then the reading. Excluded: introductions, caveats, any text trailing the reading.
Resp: 7:03
